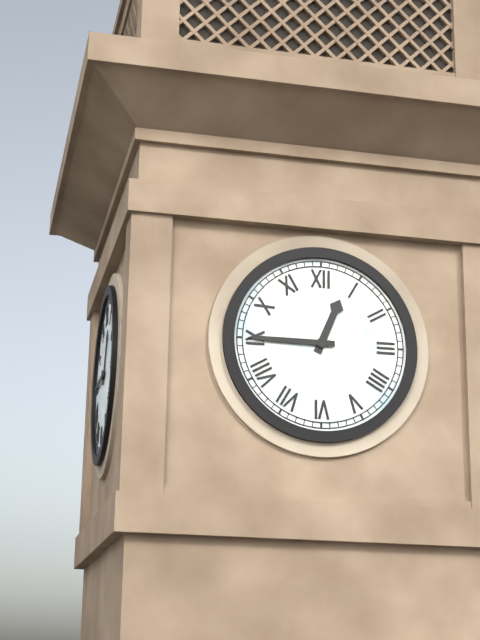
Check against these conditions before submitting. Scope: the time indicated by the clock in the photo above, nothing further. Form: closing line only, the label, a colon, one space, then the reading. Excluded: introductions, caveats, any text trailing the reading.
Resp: 12:45
